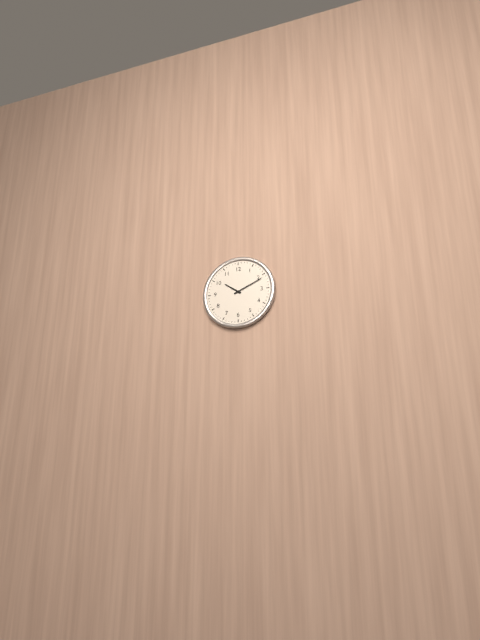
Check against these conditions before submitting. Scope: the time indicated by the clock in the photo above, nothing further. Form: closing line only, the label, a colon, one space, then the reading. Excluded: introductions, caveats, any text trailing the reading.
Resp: 10:11
